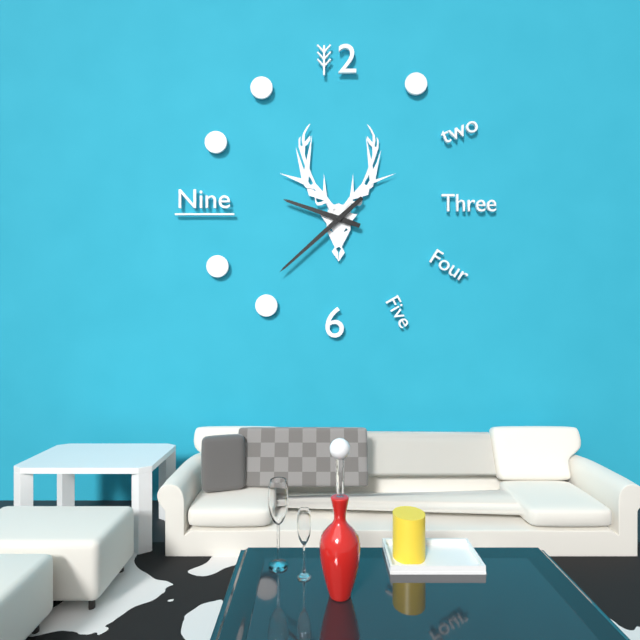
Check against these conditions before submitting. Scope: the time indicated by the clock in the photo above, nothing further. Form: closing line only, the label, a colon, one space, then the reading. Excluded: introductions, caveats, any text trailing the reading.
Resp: 9:38
